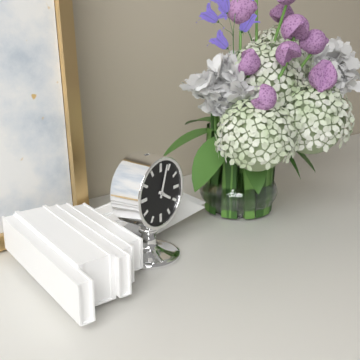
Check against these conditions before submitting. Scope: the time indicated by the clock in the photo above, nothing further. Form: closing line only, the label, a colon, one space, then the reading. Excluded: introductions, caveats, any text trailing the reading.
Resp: 4:03
